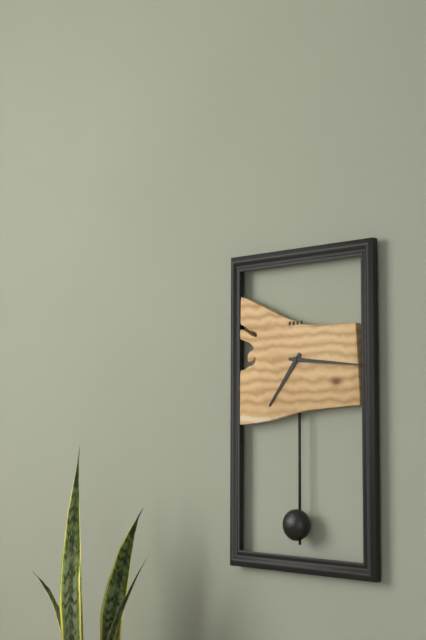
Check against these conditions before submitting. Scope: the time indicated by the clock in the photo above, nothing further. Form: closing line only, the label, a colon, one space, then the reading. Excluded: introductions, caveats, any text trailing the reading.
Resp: 7:16
